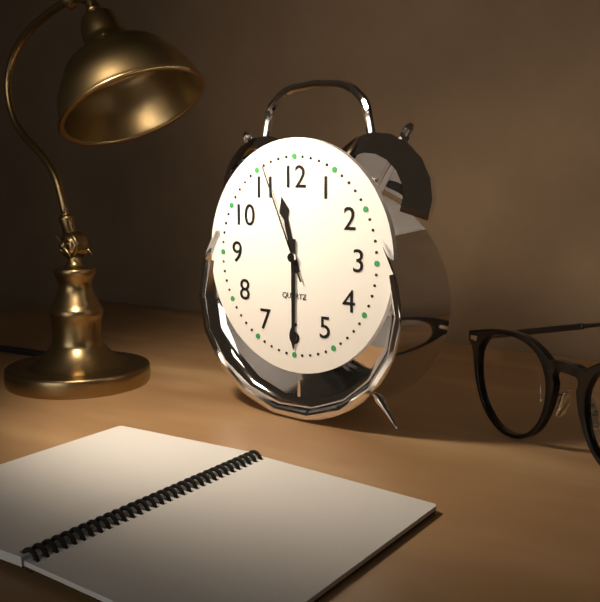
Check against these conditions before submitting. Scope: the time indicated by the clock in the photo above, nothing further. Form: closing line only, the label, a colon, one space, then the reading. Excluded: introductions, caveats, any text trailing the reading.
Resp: 11:30:56
